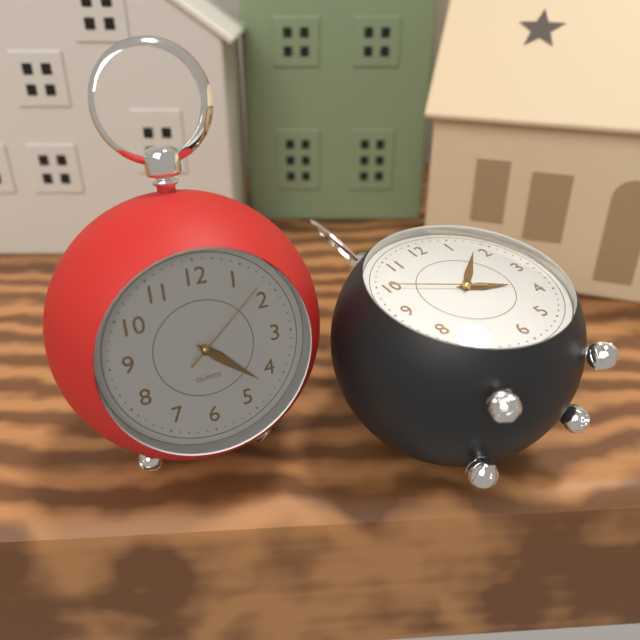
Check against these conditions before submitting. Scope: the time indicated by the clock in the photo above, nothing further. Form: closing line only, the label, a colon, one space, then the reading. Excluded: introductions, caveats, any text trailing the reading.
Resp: 4:22:08
